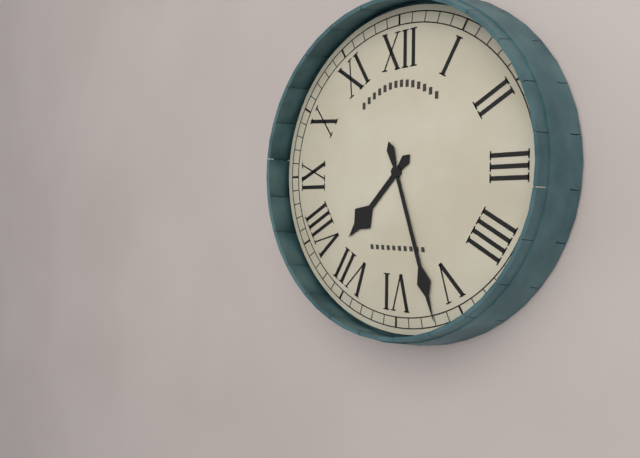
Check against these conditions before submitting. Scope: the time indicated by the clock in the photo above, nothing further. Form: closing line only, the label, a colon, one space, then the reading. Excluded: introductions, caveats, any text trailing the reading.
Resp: 7:27
